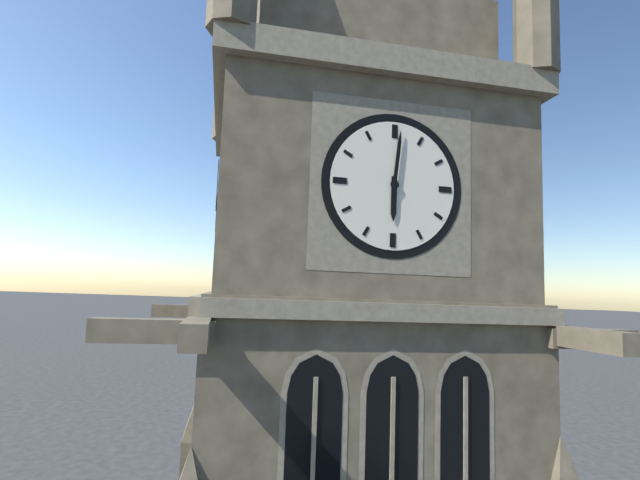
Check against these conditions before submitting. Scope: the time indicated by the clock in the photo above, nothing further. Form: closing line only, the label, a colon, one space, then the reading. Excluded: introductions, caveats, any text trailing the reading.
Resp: 6:01
